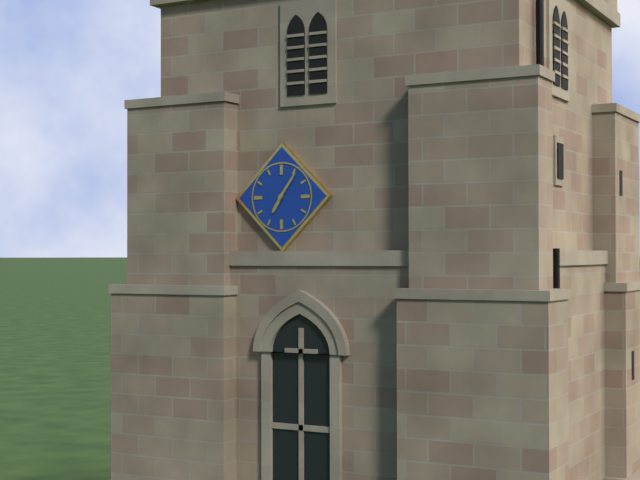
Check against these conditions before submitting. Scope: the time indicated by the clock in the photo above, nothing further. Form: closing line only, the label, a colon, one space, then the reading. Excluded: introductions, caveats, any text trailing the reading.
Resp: 7:06
